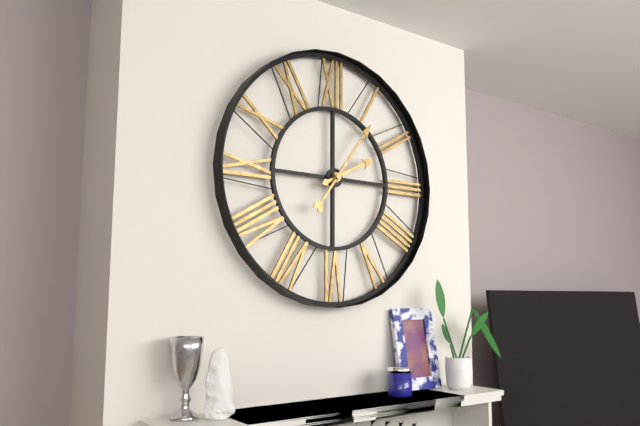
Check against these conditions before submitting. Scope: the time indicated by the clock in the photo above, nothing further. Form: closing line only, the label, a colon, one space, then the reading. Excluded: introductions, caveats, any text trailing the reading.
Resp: 2:06
